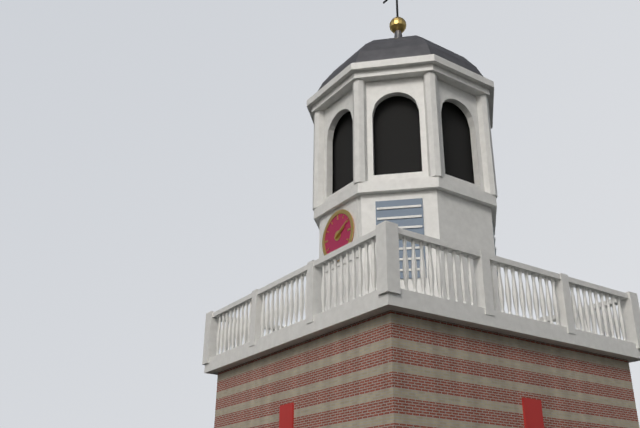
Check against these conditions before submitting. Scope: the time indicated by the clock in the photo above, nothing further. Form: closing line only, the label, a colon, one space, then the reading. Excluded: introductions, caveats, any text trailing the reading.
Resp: 2:10
